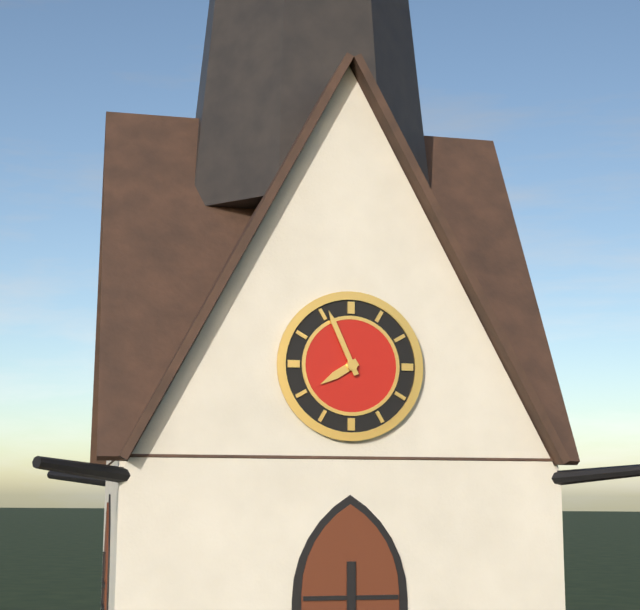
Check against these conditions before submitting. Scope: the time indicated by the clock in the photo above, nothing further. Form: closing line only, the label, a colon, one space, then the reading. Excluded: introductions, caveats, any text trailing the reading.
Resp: 7:56
